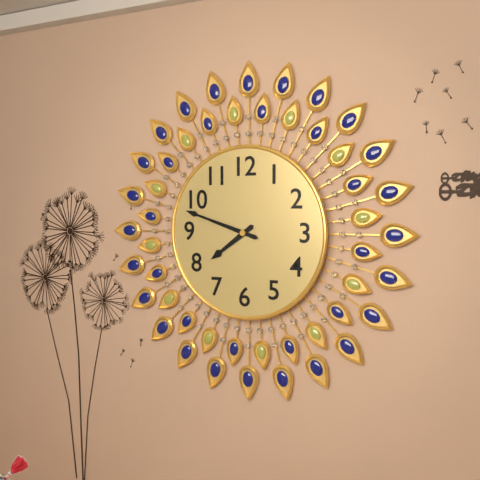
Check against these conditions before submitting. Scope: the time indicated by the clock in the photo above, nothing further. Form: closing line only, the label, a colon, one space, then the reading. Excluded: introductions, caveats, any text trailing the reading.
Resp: 7:48
